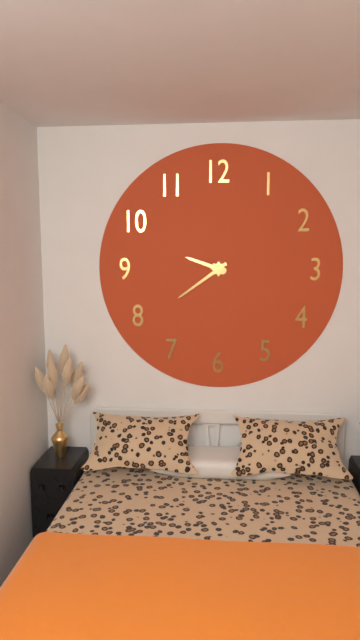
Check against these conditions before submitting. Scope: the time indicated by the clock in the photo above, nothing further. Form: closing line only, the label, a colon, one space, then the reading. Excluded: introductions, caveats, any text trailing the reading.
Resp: 9:39
